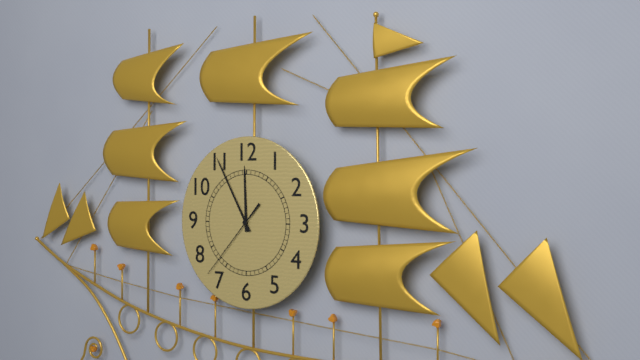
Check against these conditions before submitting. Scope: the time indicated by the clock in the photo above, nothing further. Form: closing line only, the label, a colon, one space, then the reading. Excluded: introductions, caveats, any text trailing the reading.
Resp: 11:55:37
